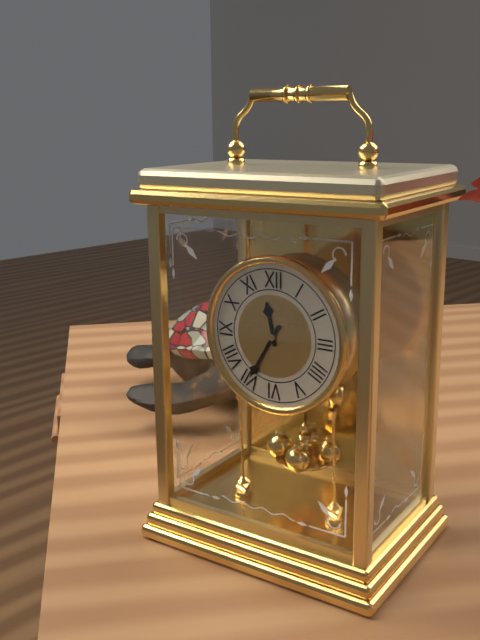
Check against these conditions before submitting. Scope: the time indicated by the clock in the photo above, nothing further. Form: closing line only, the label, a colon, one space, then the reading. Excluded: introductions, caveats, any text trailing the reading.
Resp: 11:35
